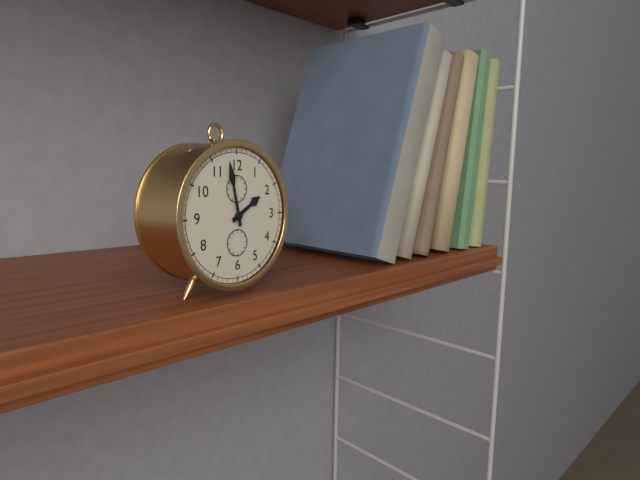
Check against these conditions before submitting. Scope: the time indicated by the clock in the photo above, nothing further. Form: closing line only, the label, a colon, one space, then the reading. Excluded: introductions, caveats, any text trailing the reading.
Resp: 1:58
